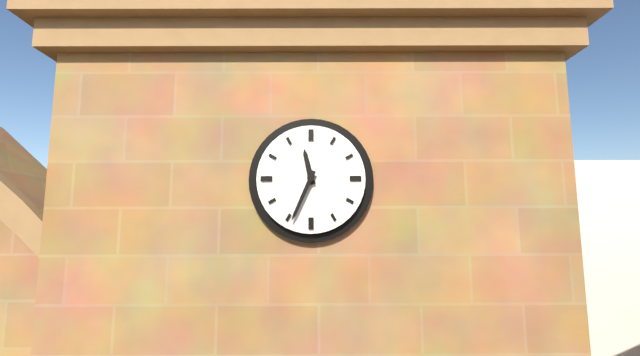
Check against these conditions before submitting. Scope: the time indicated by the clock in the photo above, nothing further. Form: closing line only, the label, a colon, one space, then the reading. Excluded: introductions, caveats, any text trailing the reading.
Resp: 11:34
